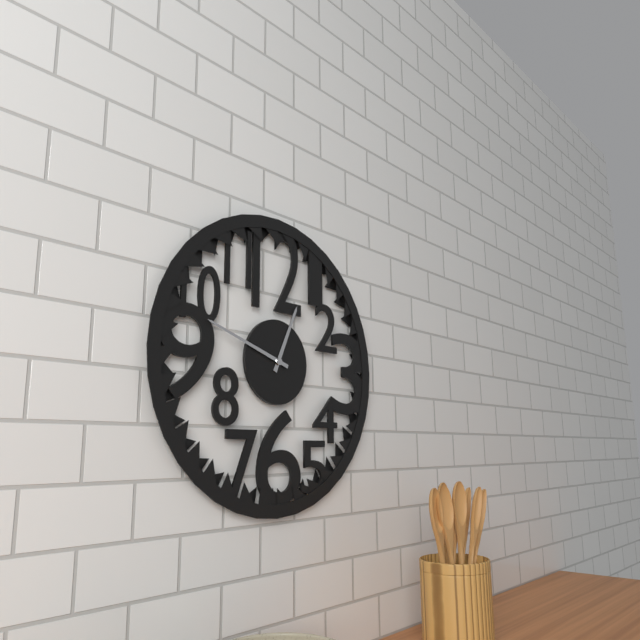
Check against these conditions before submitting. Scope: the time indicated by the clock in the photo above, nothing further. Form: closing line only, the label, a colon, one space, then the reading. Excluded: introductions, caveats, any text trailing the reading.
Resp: 12:48
